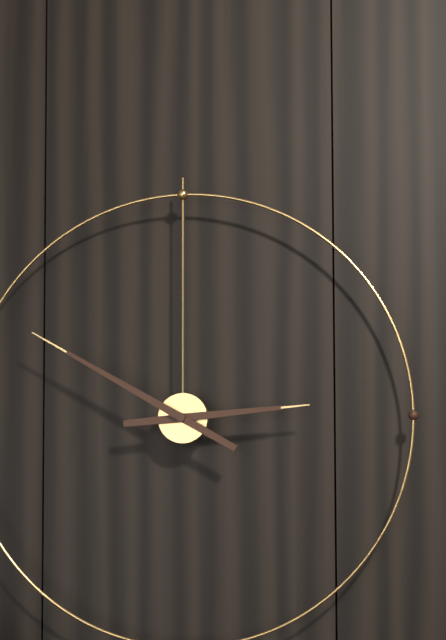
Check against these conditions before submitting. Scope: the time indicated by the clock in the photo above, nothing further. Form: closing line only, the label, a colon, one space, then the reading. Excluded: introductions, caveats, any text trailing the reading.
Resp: 2:50
